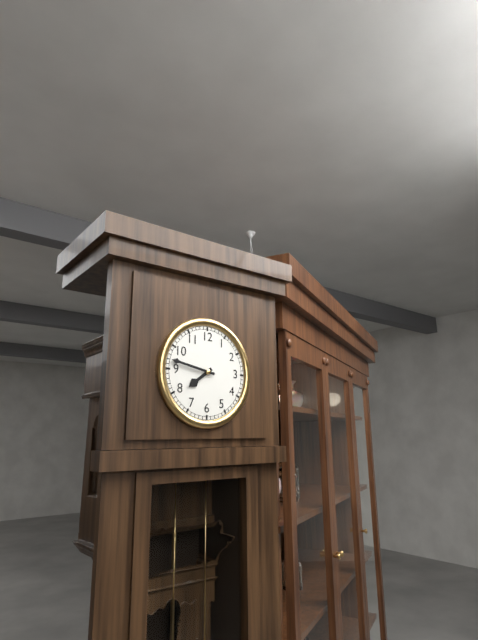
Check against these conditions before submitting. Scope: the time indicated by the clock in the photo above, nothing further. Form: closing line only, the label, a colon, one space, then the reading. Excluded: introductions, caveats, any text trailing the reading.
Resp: 7:47
